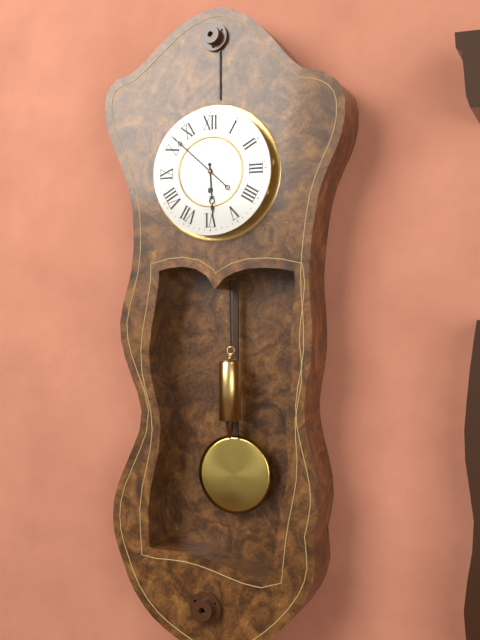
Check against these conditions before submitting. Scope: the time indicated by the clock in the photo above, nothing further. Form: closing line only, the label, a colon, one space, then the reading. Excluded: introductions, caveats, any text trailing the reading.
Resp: 5:52
